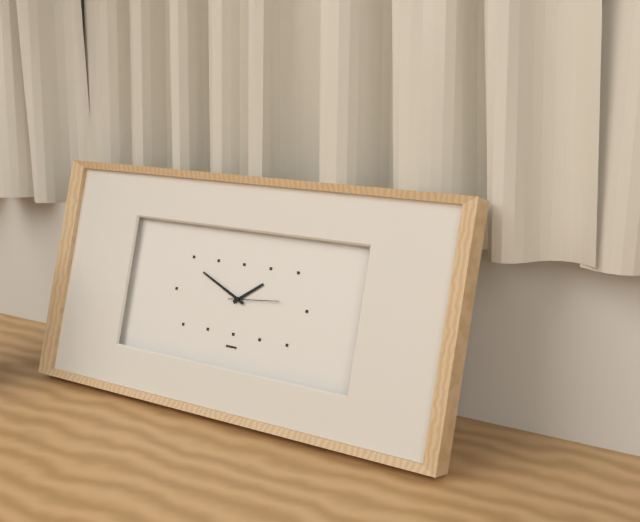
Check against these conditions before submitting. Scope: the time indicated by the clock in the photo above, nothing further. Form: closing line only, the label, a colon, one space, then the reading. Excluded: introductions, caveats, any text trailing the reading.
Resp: 1:49:14
